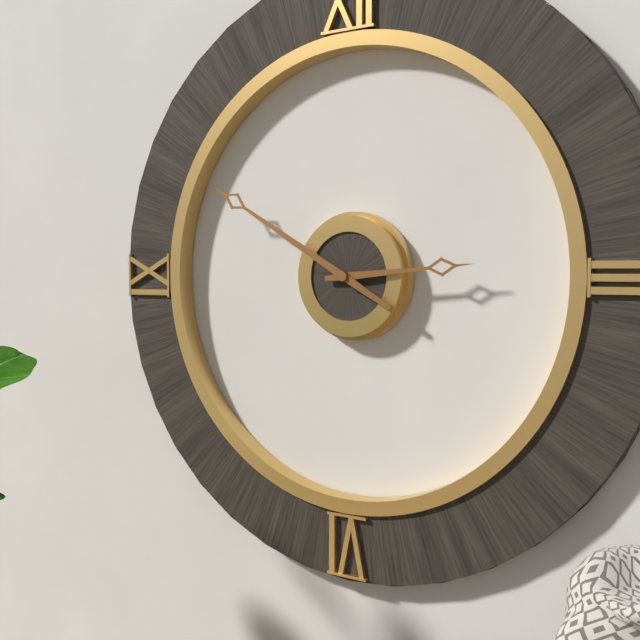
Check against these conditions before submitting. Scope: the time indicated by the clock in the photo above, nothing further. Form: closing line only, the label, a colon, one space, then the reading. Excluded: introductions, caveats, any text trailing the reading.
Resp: 2:50
